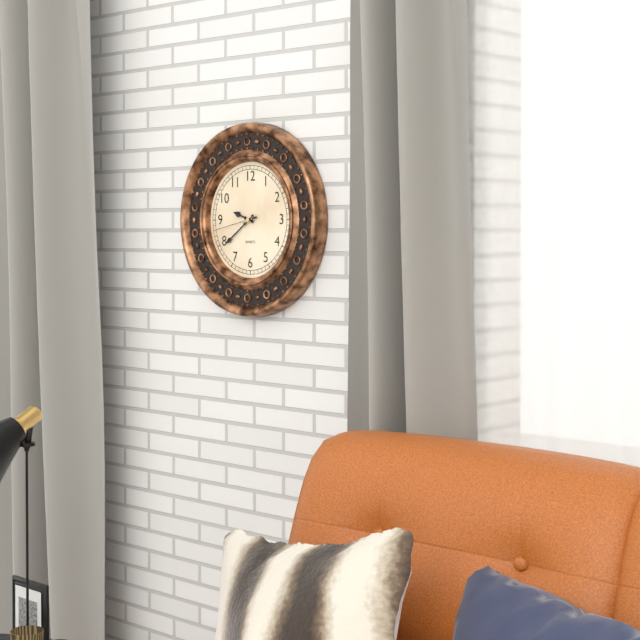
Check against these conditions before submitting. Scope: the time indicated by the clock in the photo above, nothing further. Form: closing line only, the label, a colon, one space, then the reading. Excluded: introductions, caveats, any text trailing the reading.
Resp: 9:39
